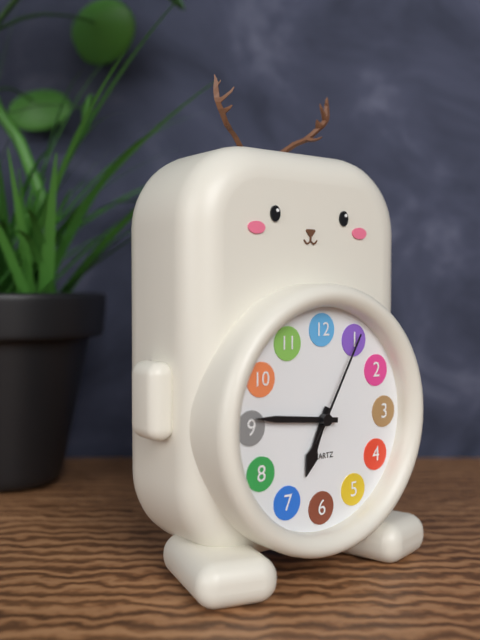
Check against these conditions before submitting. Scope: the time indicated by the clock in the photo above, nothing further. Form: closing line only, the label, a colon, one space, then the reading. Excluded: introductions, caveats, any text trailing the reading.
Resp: 6:46:05
